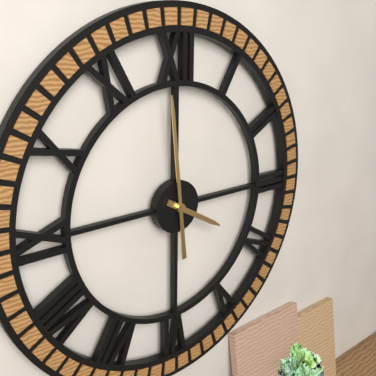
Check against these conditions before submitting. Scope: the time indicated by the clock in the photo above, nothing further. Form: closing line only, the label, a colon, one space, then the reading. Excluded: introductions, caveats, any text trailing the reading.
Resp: 3:59
